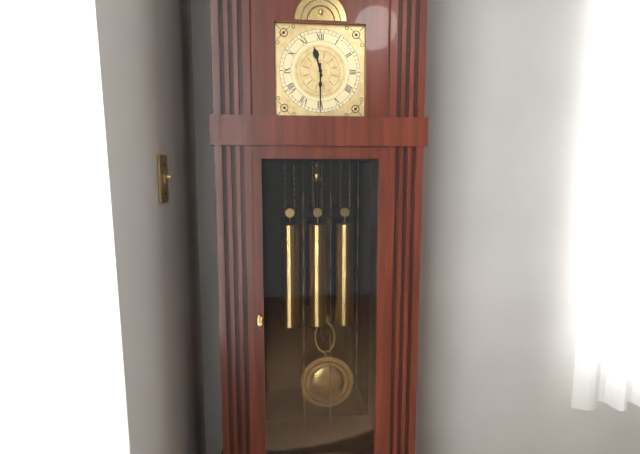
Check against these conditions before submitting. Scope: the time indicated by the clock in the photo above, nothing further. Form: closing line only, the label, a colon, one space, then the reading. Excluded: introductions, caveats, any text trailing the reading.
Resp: 11:30
